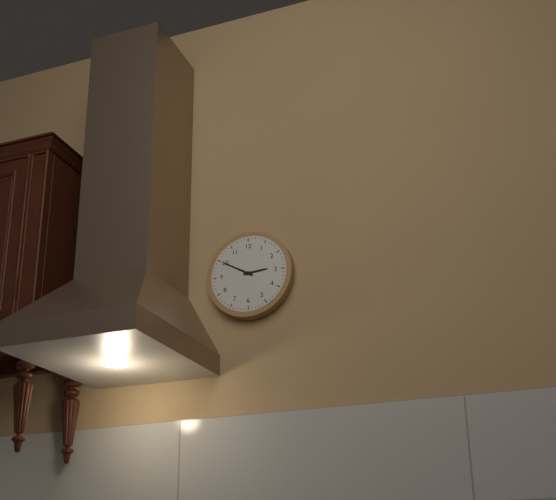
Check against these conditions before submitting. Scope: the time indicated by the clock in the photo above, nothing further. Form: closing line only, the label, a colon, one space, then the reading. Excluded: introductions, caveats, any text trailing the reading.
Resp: 2:50
